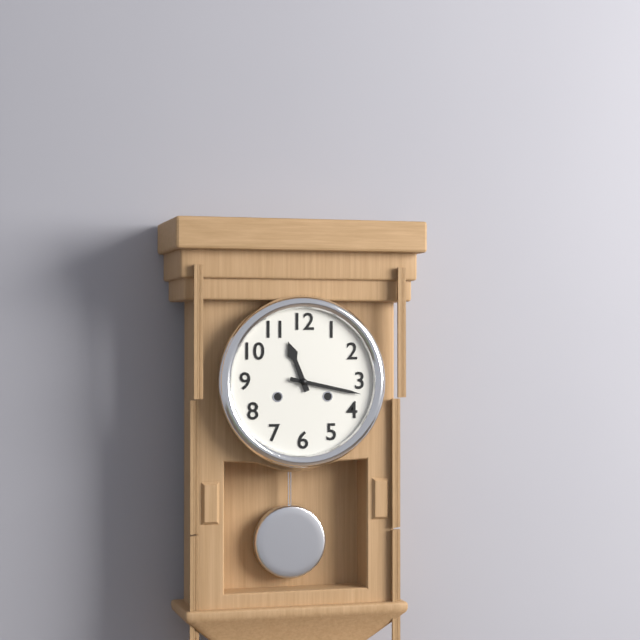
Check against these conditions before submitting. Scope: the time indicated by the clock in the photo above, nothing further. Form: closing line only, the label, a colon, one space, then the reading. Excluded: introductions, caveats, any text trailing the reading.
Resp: 11:17
